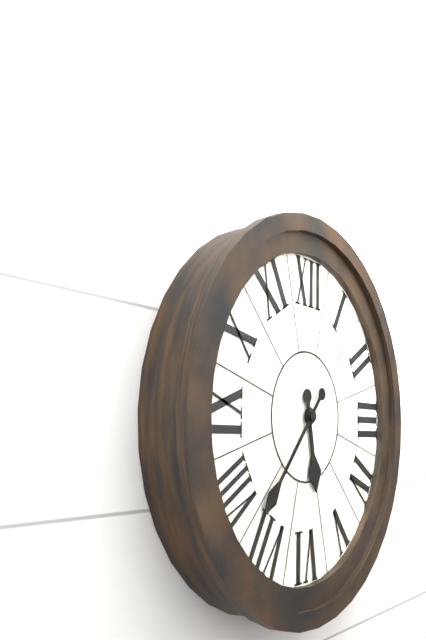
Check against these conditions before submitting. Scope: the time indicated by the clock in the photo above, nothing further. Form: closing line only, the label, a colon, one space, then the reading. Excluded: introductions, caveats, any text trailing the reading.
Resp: 5:37
